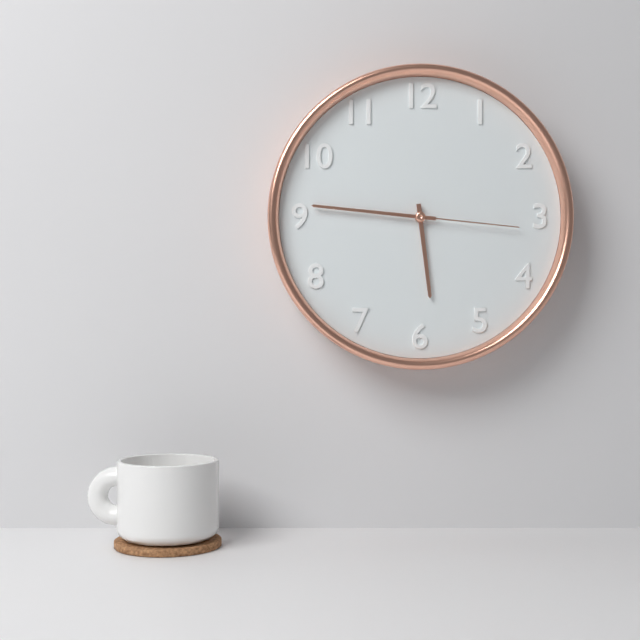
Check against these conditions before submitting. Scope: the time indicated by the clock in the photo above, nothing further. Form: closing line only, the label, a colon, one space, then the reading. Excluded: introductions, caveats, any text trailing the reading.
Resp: 5:46:16
